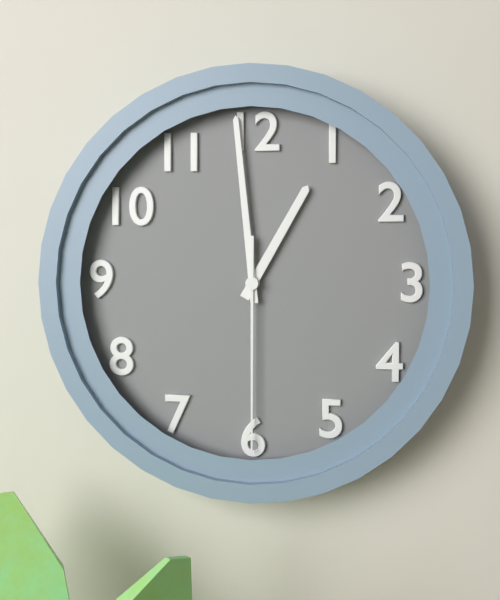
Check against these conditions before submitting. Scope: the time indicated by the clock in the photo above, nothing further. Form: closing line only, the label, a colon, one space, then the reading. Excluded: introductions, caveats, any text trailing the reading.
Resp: 12:59:30
